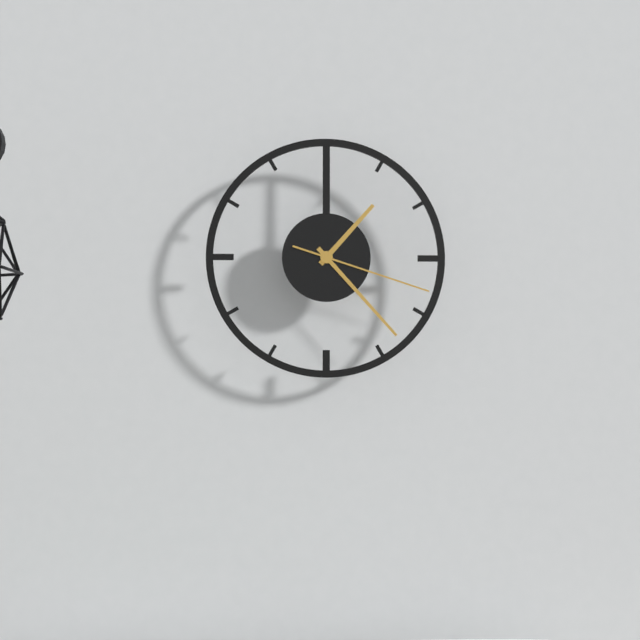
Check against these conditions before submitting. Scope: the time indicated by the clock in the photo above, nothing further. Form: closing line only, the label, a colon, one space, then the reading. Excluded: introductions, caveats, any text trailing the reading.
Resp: 1:23:18
